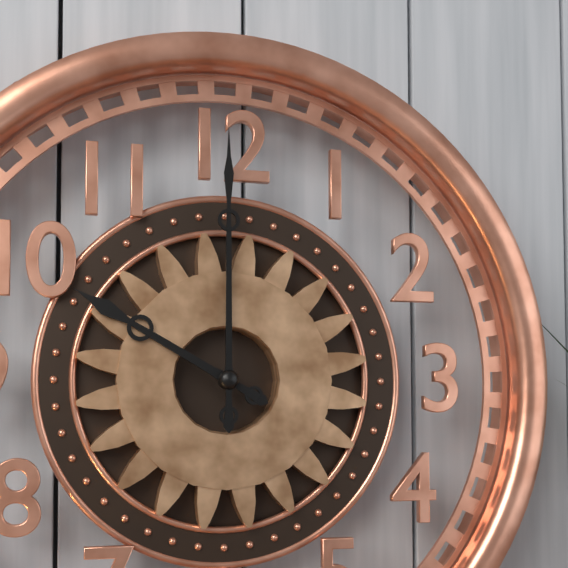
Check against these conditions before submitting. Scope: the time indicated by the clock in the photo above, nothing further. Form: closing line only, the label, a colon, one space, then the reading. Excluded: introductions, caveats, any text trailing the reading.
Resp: 10:00
